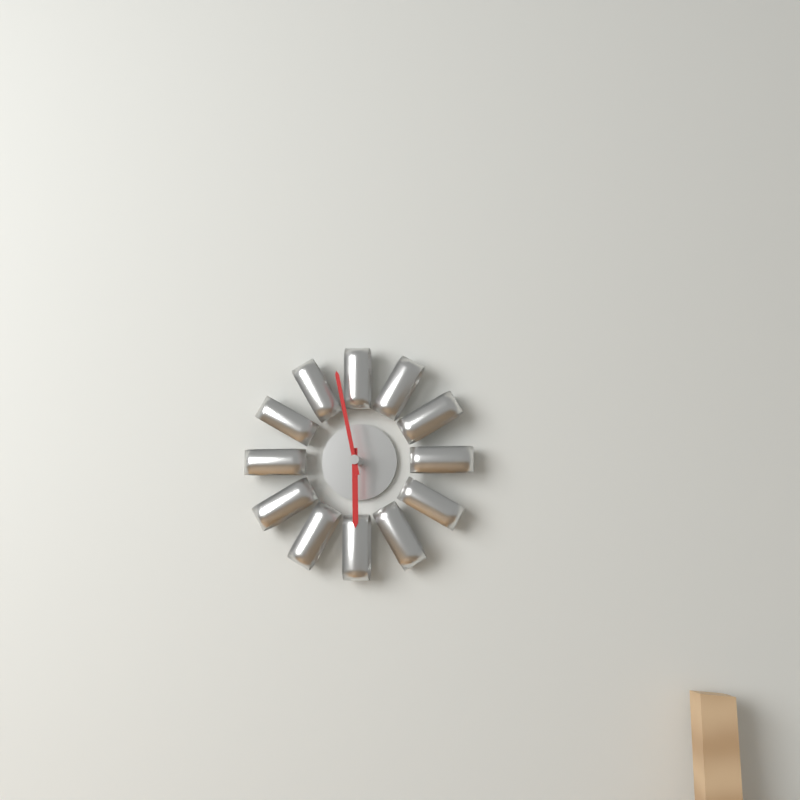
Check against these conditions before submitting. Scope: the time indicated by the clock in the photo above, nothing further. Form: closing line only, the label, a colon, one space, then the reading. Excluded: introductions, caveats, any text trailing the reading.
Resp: 5:58
